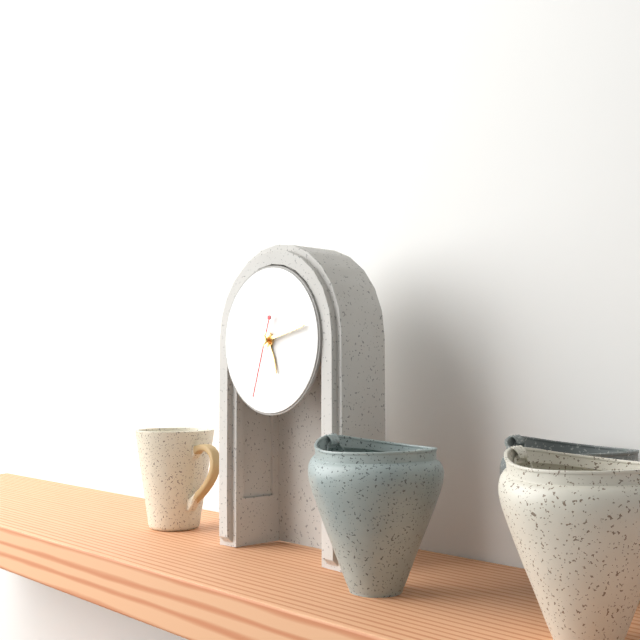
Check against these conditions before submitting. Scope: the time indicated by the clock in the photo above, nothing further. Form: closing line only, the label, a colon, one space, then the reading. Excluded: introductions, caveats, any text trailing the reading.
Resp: 5:13:33
